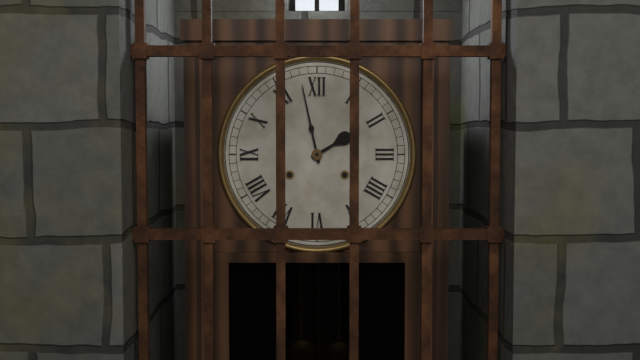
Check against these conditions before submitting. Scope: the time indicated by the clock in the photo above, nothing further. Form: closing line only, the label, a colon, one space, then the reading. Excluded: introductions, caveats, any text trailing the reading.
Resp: 1:58
